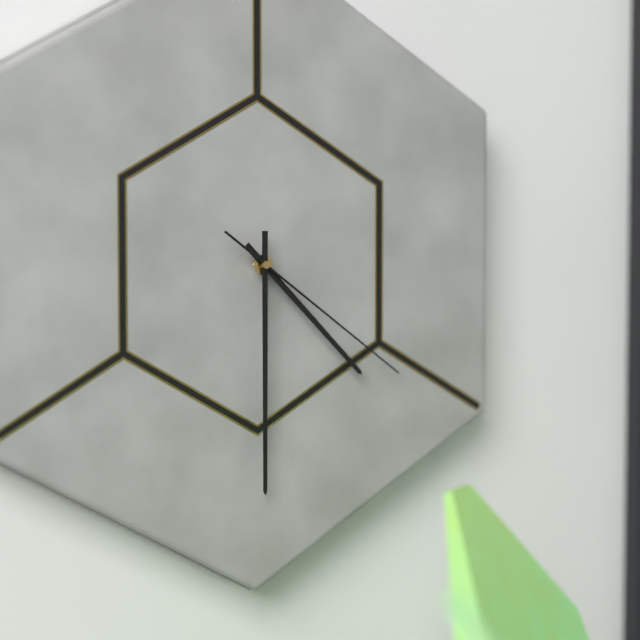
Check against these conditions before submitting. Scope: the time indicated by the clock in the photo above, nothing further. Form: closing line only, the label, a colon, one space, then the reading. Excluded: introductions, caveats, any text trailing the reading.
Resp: 4:30:21
